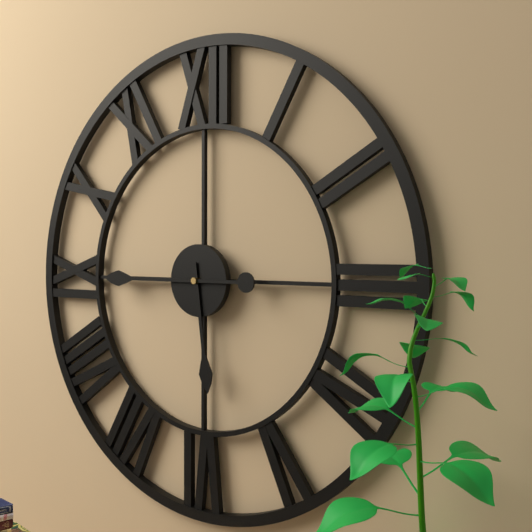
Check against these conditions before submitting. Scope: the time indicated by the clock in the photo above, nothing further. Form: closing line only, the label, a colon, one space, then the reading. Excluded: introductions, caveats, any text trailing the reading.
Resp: 5:45
